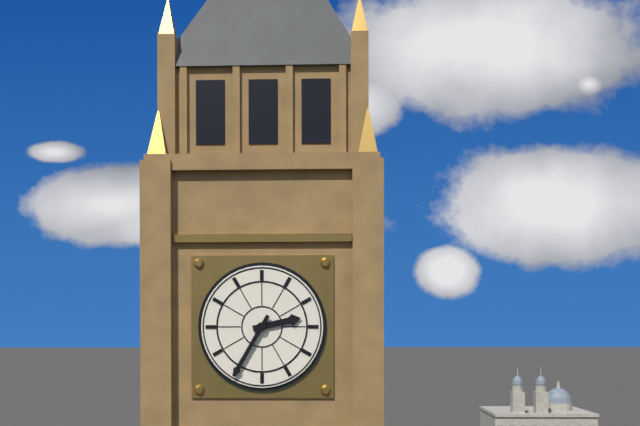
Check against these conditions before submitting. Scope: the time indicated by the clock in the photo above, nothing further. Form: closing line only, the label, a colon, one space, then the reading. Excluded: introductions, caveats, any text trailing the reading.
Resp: 2:35
